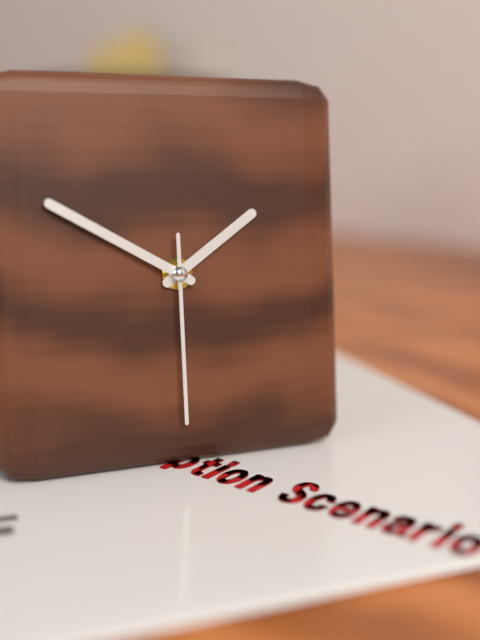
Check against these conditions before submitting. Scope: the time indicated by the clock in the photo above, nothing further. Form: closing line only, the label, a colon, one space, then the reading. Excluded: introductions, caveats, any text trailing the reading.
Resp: 1:50:30
